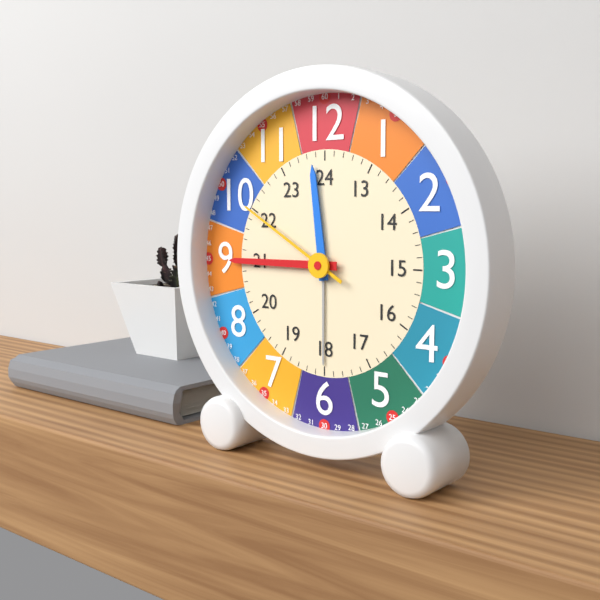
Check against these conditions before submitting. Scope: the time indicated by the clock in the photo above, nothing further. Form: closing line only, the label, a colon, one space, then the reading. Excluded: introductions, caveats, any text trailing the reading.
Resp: 11:45:50
